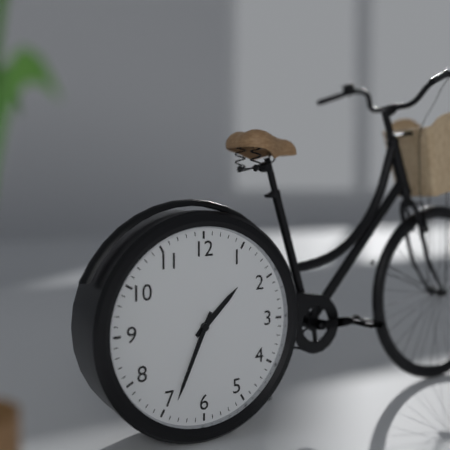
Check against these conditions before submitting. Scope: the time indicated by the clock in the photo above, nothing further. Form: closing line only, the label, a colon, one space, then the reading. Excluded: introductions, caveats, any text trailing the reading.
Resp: 1:34
